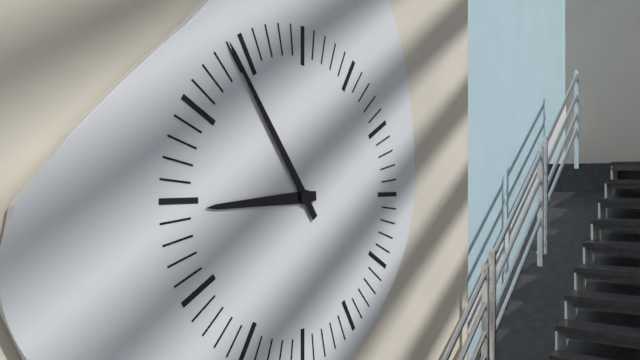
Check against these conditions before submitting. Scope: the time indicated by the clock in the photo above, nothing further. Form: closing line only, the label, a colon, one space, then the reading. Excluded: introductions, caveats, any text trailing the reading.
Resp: 8:54
